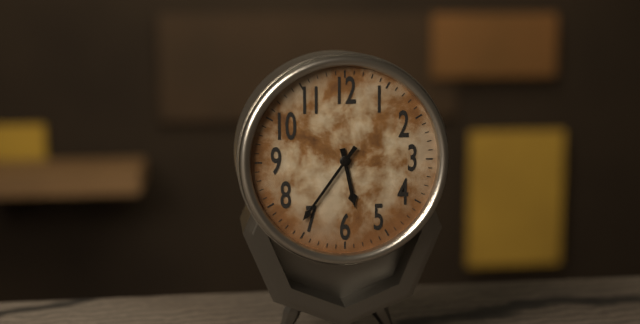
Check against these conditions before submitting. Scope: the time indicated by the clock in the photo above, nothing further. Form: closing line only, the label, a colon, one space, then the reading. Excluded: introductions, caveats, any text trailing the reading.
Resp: 5:36
